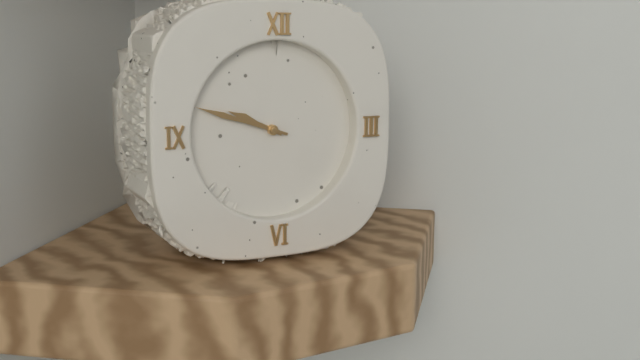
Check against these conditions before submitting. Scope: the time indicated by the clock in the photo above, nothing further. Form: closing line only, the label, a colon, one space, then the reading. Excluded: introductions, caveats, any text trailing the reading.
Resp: 9:48
